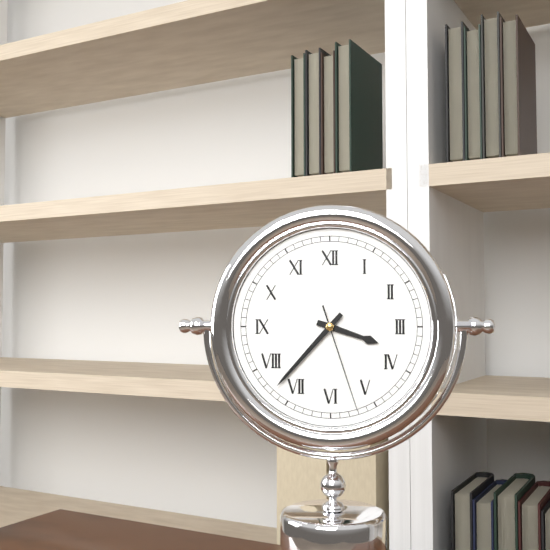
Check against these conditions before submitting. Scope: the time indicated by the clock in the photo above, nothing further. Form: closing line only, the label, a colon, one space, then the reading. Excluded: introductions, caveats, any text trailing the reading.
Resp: 3:37:27
